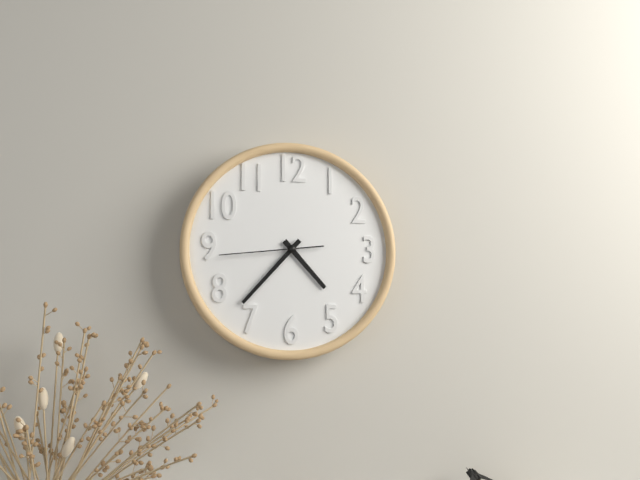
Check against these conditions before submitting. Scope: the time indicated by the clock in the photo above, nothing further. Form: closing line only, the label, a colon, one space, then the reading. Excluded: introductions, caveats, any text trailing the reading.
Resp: 4:37:44
